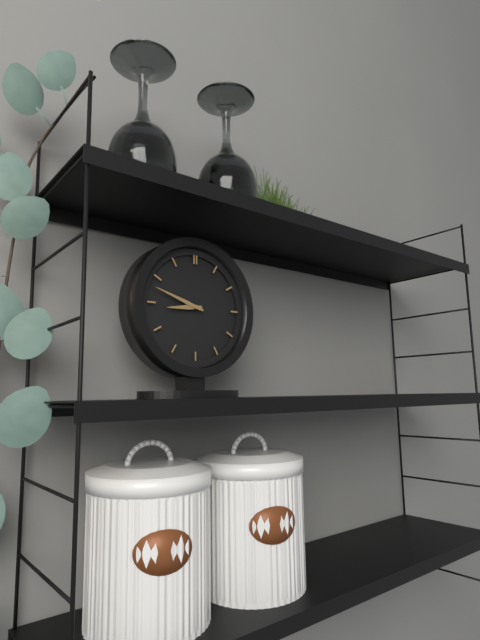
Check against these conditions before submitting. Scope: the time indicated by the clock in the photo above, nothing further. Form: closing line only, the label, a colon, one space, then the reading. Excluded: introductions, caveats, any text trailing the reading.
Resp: 8:48
